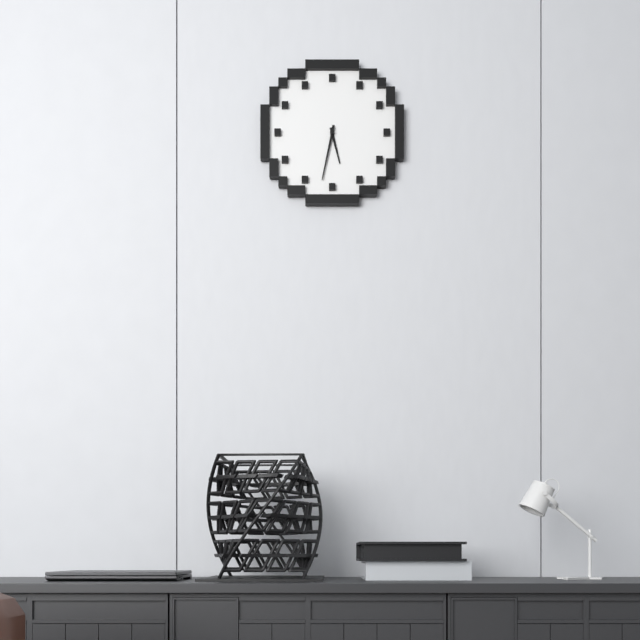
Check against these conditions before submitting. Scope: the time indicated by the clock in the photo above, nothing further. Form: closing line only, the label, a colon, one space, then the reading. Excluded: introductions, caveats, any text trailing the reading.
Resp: 5:32
